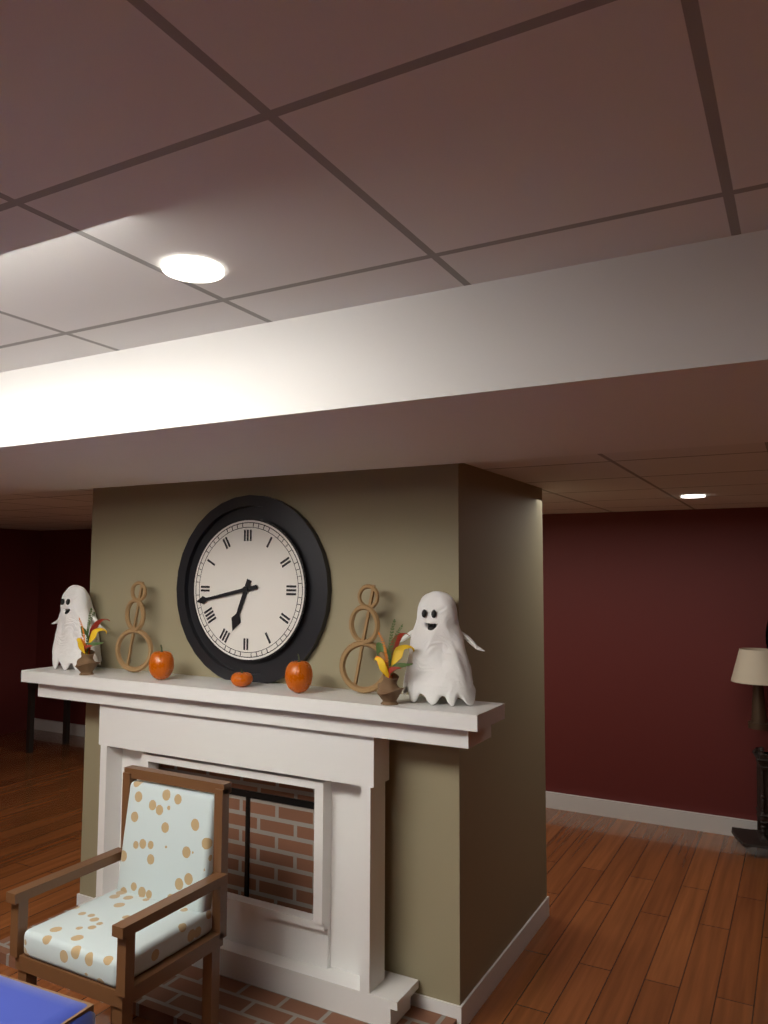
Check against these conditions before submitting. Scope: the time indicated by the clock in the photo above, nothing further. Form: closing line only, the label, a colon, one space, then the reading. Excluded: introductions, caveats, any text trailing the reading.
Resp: 6:43
